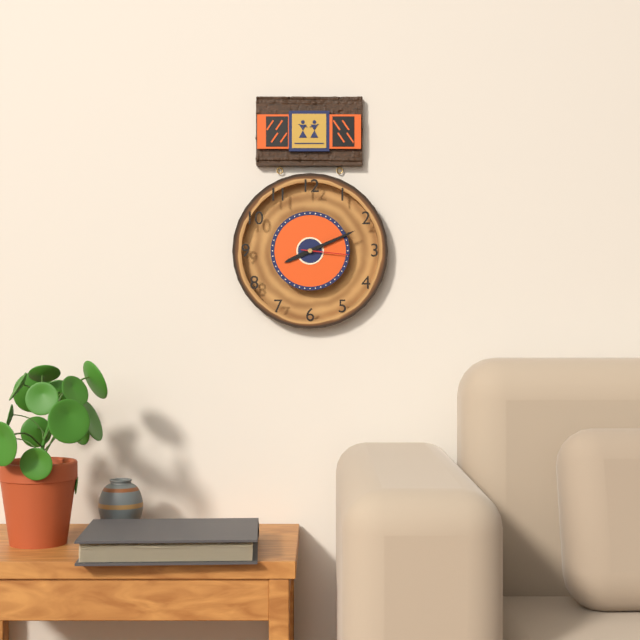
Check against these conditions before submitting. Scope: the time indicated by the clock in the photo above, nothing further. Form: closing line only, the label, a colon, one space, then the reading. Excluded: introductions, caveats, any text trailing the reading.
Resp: 8:11
